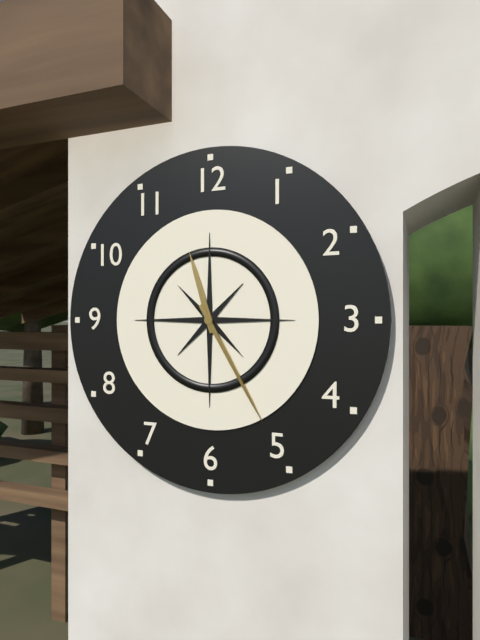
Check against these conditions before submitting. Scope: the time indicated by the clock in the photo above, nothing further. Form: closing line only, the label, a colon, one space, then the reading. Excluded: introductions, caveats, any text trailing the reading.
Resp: 11:25
